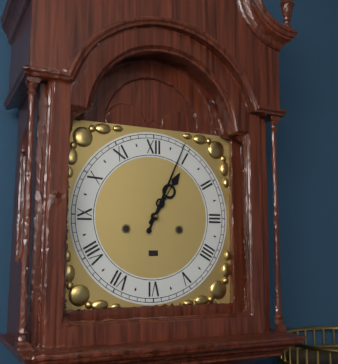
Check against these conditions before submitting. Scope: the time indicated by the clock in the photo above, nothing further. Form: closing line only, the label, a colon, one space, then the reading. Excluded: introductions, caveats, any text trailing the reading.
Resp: 1:04
